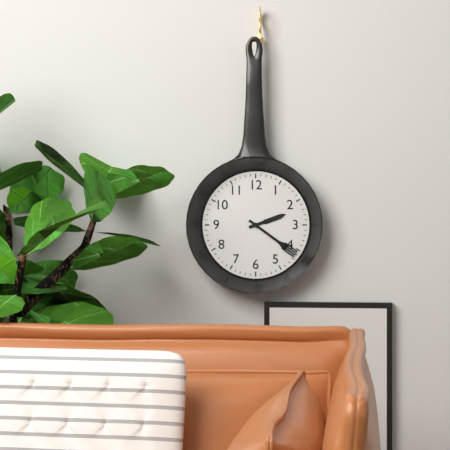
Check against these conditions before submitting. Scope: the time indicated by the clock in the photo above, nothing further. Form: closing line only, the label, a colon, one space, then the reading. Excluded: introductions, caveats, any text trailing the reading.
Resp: 2:21
